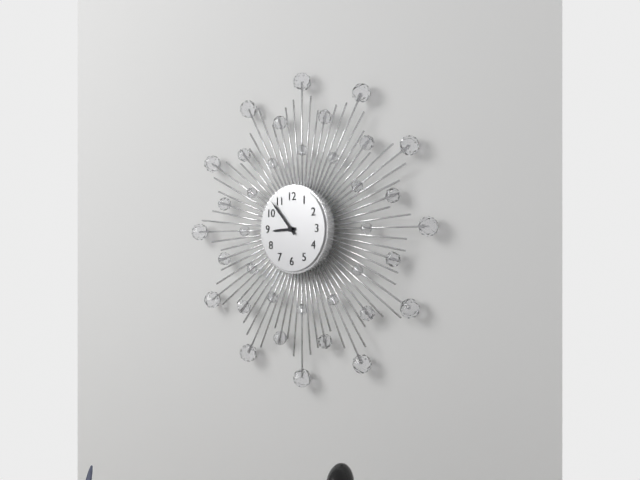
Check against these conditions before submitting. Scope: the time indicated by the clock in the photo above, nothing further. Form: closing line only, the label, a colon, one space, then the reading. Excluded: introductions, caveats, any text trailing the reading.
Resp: 8:53
